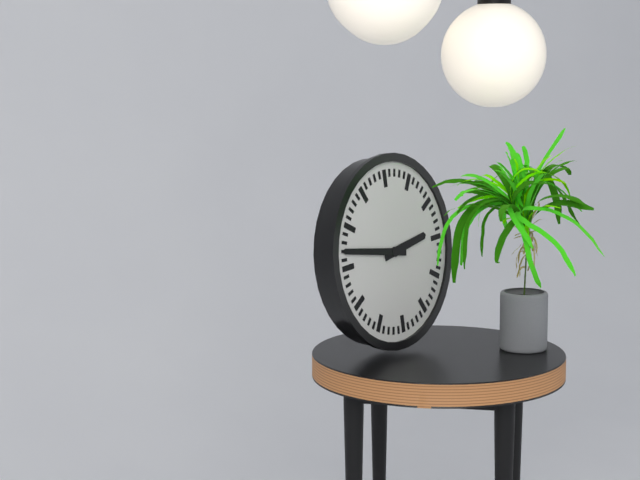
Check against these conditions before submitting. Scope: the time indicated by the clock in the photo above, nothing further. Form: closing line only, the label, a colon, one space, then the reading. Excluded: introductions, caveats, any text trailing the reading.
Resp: 2:47
